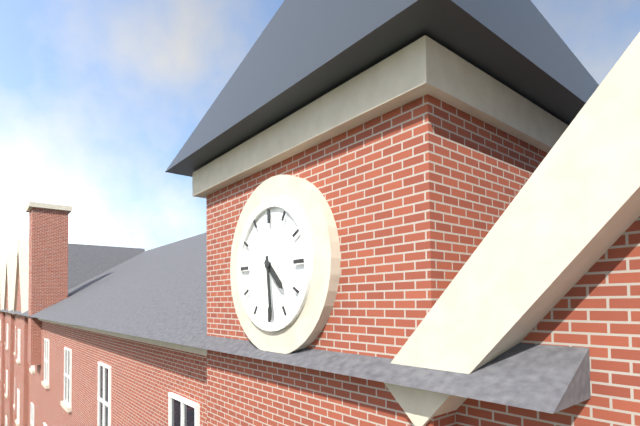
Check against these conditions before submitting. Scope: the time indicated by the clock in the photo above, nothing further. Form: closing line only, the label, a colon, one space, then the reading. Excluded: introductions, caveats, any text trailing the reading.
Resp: 4:29
